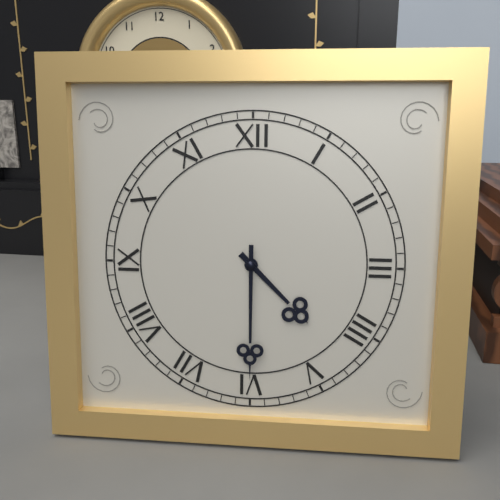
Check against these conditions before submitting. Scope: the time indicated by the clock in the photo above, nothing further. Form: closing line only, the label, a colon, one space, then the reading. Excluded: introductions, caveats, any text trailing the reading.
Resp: 4:30
